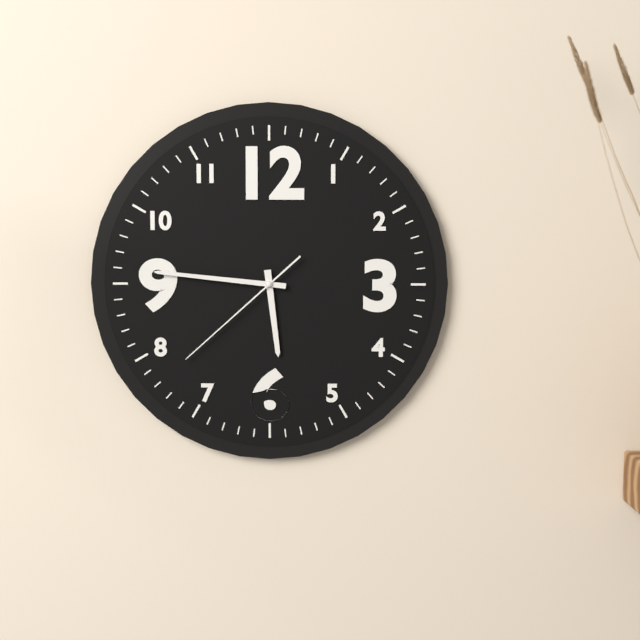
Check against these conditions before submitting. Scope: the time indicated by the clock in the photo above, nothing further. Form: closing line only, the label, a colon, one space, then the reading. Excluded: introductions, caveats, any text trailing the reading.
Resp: 5:46:38
